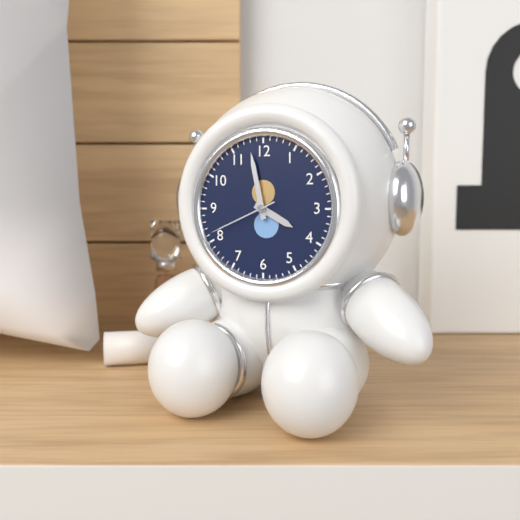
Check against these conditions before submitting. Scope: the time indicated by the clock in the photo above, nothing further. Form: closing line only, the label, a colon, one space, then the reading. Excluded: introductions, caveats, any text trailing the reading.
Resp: 3:58:41
